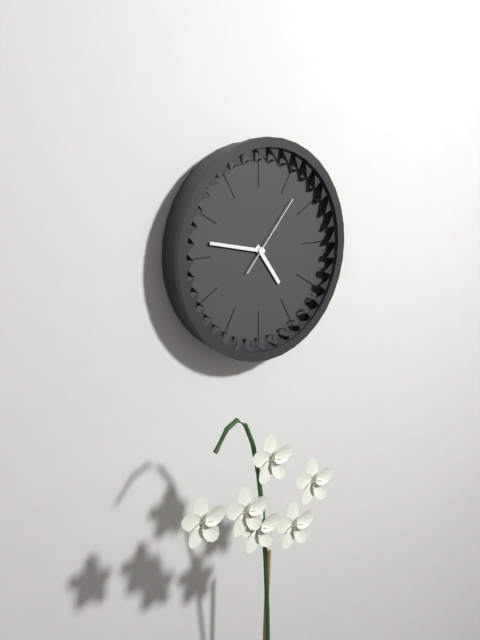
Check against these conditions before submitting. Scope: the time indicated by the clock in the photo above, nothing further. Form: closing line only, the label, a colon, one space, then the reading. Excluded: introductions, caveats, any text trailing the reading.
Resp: 4:47:07
